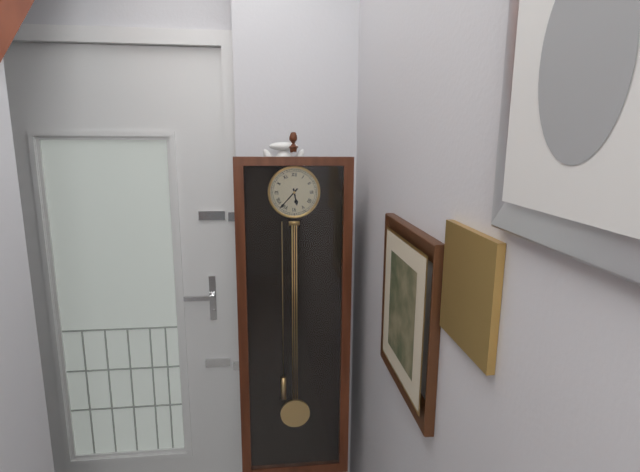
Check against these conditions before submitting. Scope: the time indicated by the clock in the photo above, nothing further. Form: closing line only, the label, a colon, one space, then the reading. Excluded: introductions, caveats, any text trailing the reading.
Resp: 5:37
